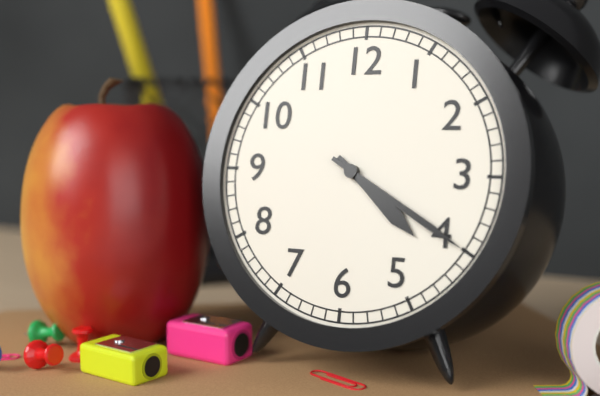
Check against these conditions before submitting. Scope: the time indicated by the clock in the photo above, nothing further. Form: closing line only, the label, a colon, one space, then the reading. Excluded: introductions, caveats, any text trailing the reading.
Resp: 4:20
